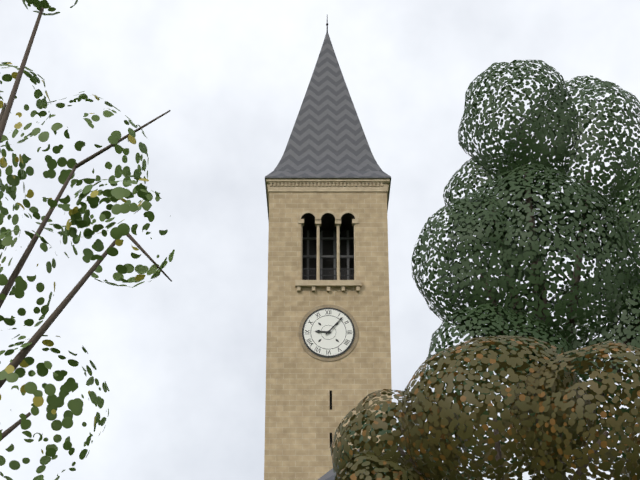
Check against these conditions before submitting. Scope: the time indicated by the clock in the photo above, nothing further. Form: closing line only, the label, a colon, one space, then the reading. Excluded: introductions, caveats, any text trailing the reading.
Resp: 9:07
